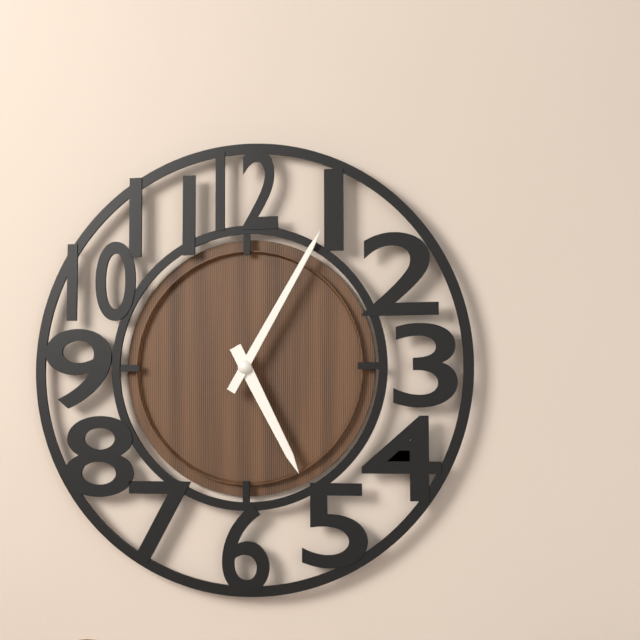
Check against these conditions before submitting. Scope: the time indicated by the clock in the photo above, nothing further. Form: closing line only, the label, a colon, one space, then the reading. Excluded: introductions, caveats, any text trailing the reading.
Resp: 5:05
